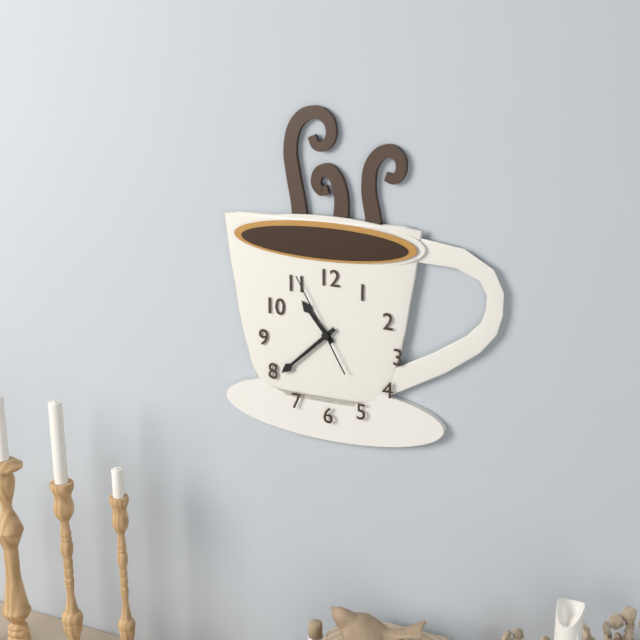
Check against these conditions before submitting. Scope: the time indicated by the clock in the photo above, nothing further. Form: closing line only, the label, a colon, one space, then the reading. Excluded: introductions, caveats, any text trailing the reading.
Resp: 10:38:55
